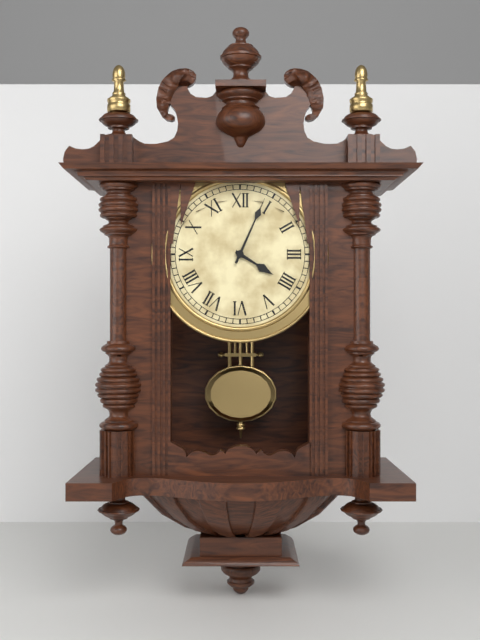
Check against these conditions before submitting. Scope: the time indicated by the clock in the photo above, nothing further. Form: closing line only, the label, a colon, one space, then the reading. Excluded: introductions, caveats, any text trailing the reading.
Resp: 4:04
